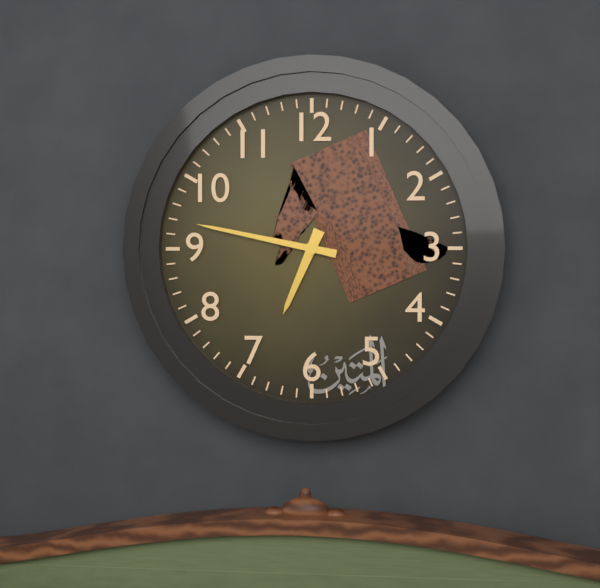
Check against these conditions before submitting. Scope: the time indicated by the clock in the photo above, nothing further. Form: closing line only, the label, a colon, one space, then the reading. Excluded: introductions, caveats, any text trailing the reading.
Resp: 6:47
